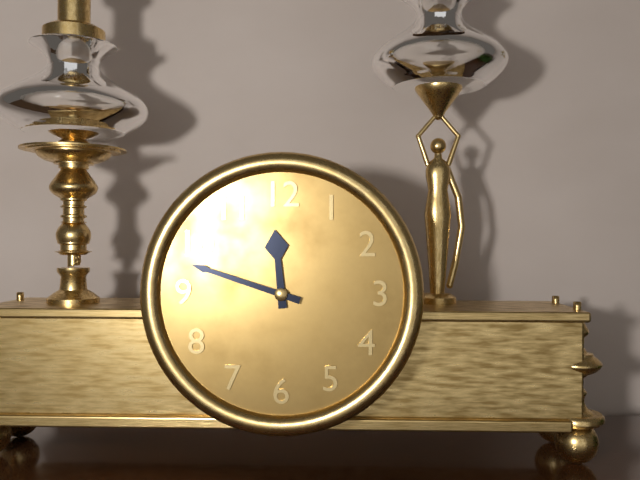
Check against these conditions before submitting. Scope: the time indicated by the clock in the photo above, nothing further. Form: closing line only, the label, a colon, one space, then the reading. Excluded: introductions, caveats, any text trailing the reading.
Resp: 11:48
